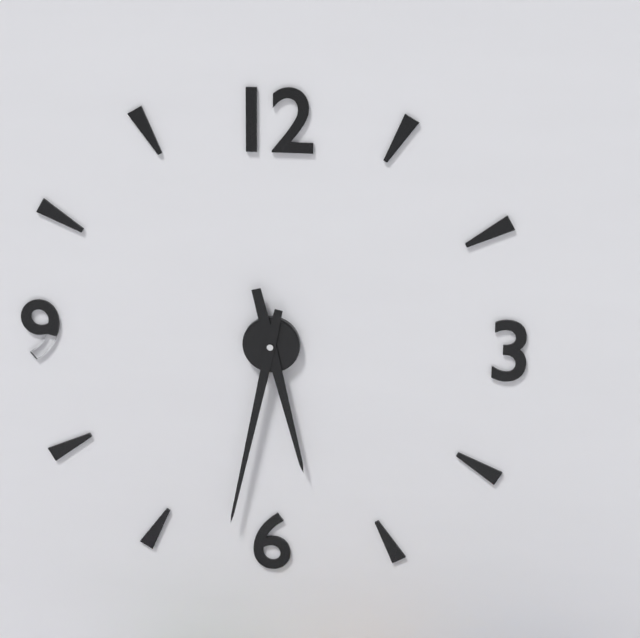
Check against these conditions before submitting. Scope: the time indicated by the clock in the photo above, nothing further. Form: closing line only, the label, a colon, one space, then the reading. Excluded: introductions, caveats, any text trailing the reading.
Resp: 5:32
